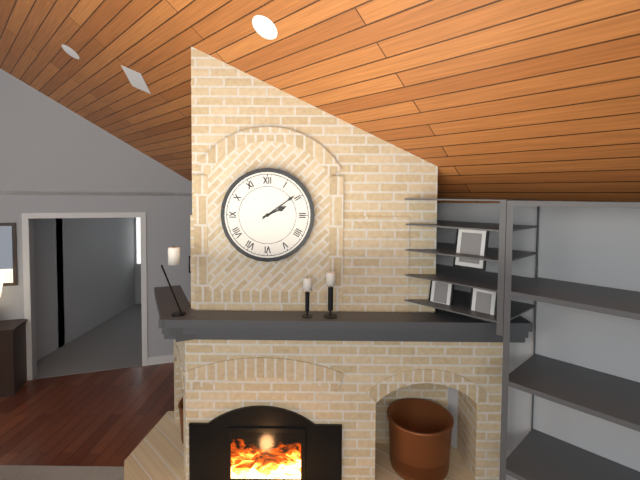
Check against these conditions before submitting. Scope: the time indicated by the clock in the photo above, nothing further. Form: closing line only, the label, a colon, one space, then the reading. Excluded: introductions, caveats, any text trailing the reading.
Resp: 2:09
